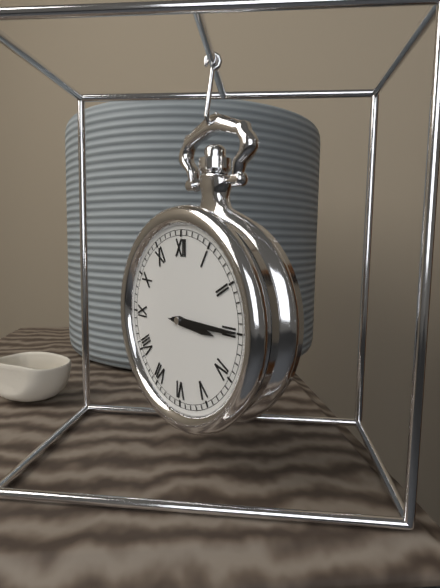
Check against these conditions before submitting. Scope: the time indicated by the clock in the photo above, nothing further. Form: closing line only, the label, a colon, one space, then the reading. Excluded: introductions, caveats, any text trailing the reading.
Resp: 3:15
